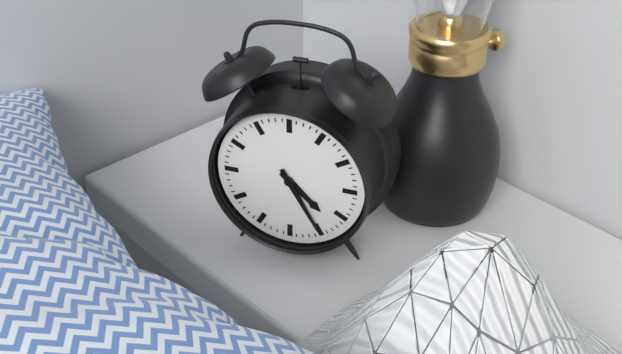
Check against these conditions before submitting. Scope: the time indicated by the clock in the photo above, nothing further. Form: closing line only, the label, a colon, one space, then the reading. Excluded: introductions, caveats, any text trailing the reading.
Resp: 4:25
